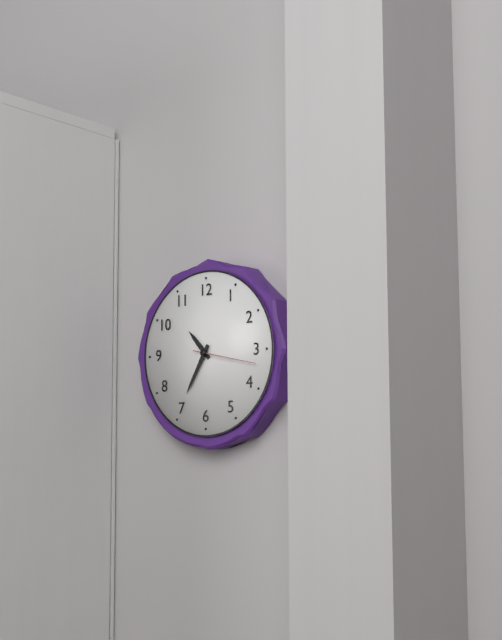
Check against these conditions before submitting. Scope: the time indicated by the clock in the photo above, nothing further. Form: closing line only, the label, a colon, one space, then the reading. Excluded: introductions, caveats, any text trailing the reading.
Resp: 10:35:17
